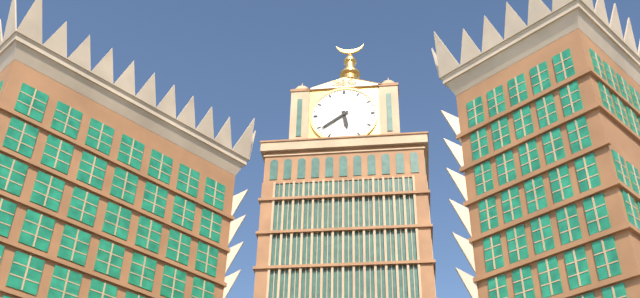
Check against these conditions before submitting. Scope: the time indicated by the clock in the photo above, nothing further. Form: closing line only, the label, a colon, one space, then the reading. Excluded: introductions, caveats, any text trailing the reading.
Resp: 5:39
